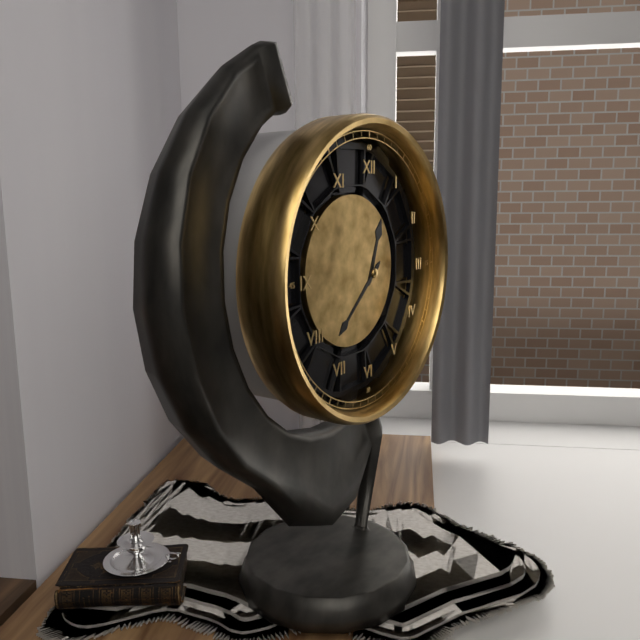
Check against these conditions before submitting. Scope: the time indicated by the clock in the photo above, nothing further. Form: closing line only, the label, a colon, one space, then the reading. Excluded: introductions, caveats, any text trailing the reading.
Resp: 12:38
